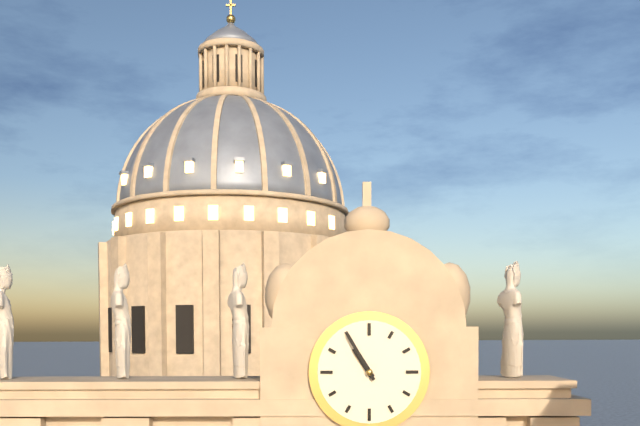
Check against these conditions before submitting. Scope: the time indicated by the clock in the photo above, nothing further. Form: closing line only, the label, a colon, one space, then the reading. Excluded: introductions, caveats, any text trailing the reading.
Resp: 10:55
